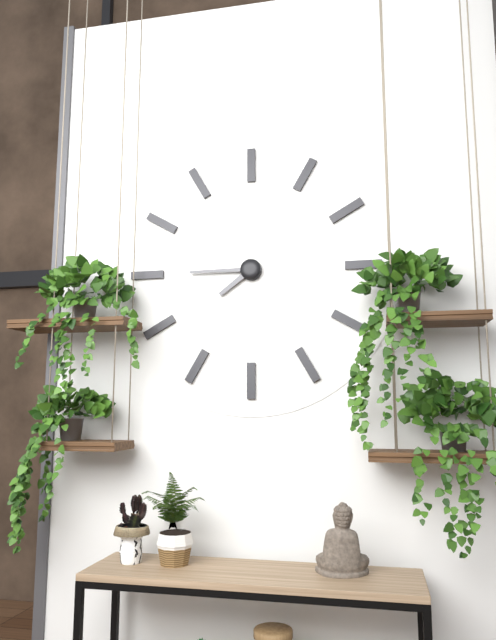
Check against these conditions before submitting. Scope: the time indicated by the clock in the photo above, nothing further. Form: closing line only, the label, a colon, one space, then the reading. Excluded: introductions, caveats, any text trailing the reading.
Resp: 7:45
